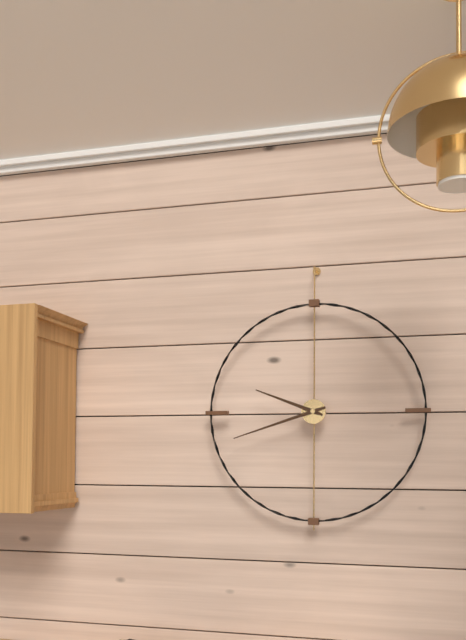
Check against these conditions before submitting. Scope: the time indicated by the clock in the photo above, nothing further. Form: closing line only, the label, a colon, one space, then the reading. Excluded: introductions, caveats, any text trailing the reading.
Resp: 9:42
